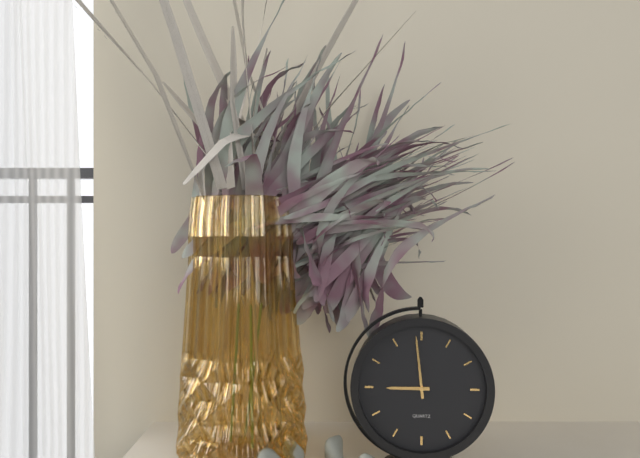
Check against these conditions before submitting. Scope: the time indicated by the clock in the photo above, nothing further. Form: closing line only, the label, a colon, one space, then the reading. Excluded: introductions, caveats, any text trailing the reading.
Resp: 8:59
